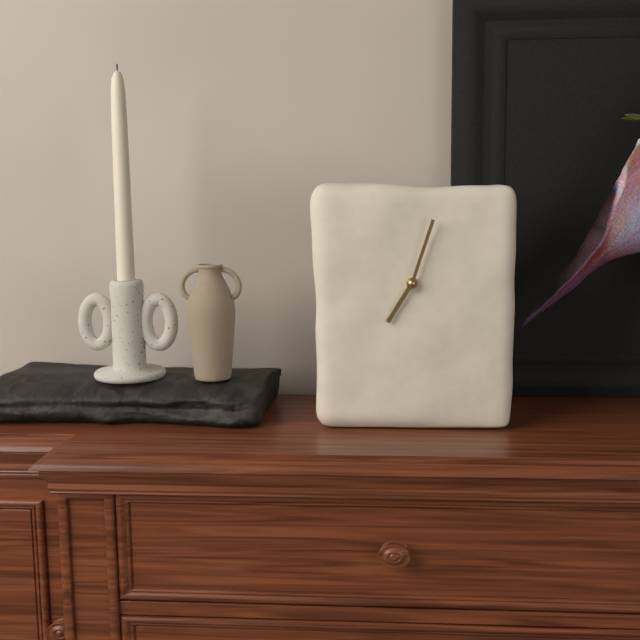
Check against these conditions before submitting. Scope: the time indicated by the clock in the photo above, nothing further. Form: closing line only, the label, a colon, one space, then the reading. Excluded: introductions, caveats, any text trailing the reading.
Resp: 7:03
